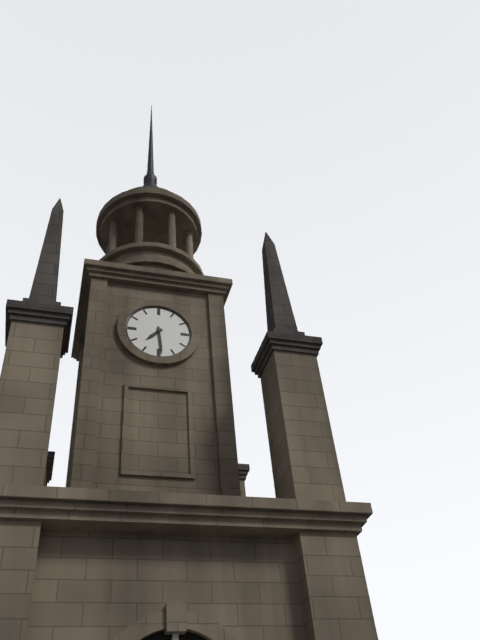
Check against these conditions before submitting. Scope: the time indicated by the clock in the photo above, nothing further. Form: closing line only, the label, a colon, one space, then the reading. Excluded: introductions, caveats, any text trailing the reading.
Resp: 7:29
